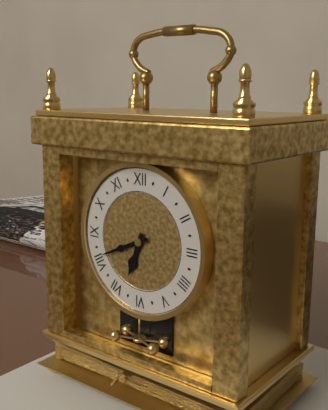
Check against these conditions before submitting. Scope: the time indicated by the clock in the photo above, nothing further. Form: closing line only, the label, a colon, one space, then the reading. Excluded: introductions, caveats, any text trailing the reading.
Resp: 6:41
